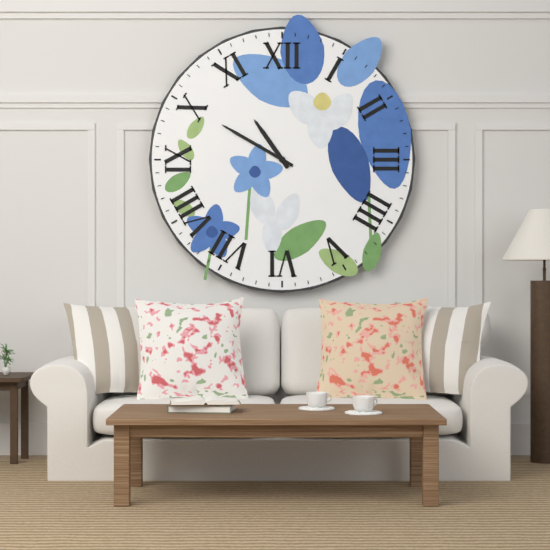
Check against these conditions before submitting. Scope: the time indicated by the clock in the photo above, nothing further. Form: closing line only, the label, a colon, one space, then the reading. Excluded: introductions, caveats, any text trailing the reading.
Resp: 10:50
